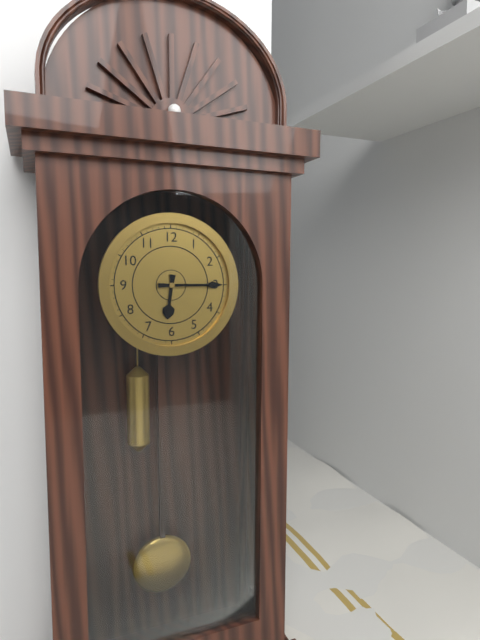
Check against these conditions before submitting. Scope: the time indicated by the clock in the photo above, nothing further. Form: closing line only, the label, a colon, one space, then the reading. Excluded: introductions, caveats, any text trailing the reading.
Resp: 6:15
